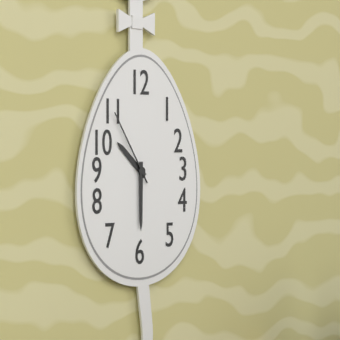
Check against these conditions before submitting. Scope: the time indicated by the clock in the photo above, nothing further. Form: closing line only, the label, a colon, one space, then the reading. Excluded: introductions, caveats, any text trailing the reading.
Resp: 10:30:55
